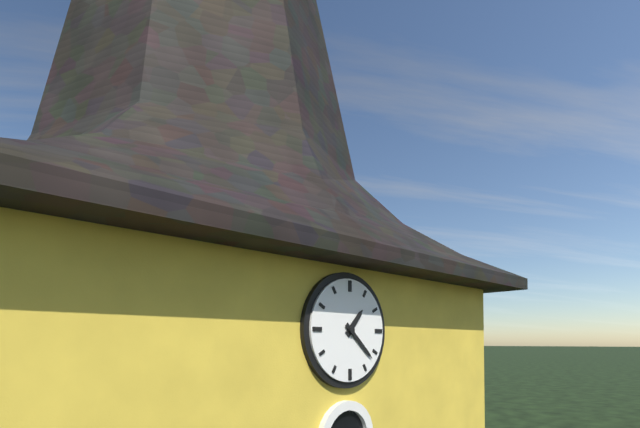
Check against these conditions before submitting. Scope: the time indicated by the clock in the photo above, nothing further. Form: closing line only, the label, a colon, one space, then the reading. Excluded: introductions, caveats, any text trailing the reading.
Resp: 1:22
